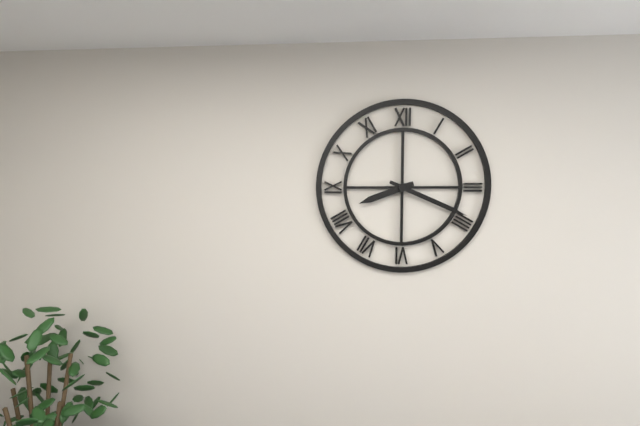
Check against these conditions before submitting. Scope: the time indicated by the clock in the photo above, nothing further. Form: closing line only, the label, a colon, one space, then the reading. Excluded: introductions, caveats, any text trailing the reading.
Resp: 8:19
